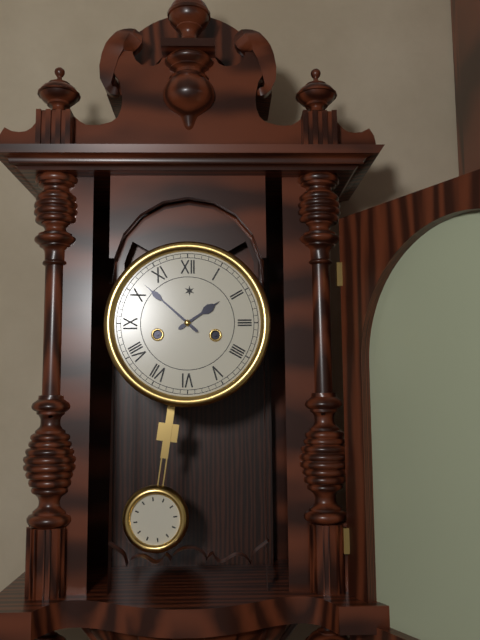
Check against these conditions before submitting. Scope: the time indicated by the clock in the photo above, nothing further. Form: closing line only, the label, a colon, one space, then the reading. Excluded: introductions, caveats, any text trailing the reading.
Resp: 1:52
